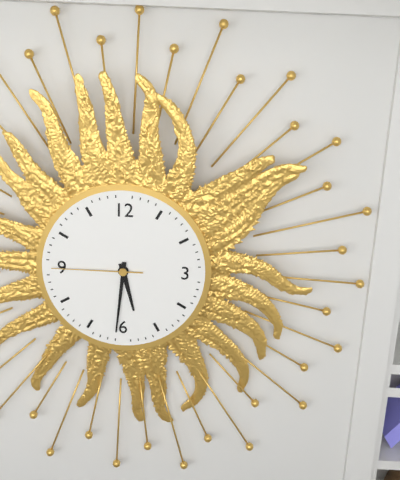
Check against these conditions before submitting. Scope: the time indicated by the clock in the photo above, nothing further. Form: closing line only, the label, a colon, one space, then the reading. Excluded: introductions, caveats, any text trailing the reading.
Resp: 5:31:45
